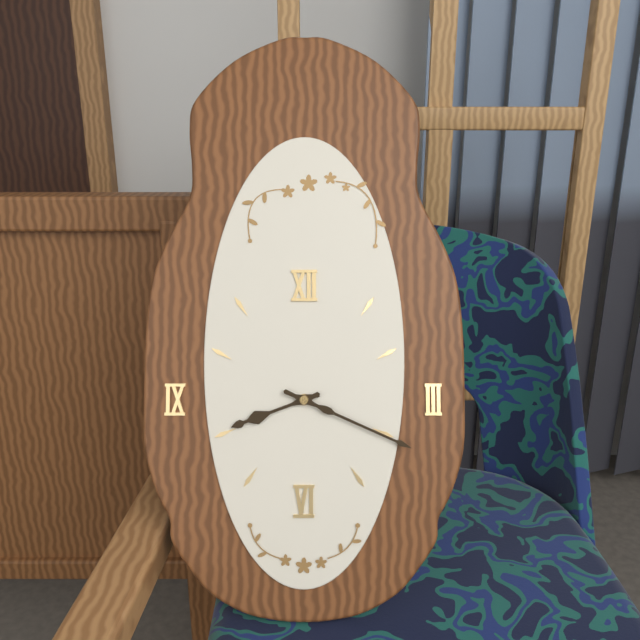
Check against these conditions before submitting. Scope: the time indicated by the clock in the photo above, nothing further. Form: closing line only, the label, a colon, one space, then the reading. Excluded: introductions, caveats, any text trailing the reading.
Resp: 8:19
